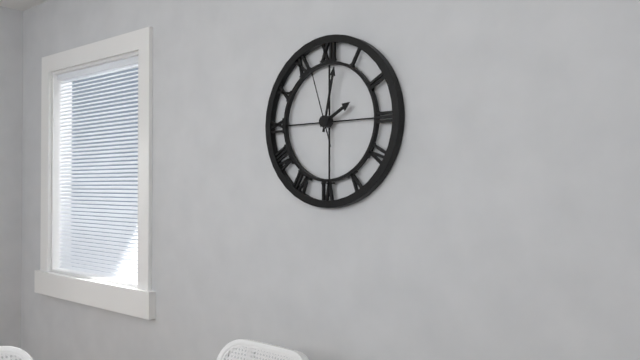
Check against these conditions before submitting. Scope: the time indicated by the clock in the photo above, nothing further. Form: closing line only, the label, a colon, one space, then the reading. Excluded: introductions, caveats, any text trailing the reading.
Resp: 2:02:57
